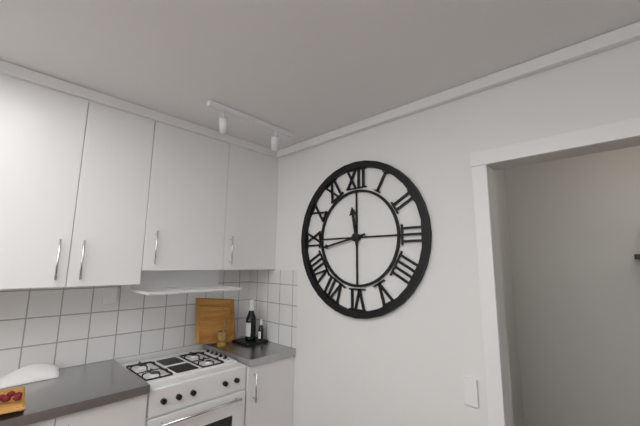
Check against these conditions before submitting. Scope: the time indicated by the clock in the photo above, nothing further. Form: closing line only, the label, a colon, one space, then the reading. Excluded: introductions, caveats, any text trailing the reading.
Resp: 11:43
